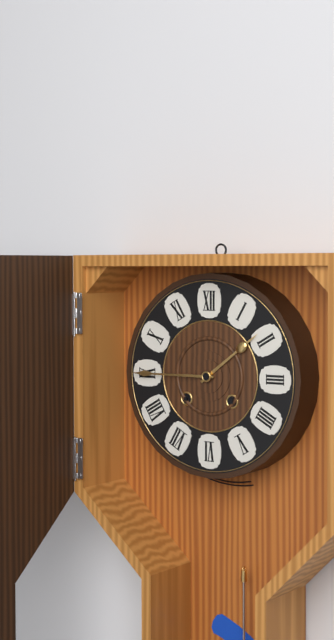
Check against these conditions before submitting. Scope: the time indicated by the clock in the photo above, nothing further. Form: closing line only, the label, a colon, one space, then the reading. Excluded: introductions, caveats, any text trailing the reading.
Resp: 1:45
